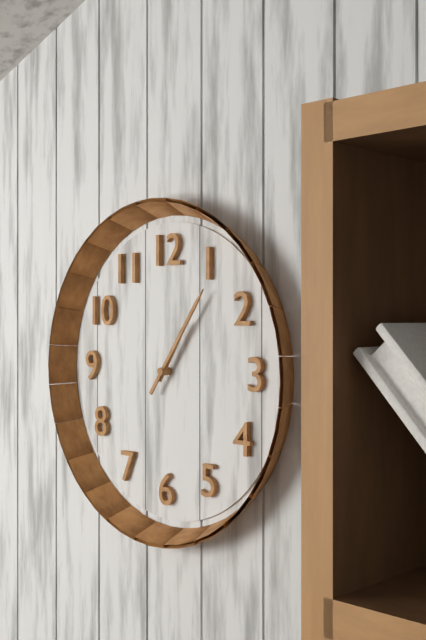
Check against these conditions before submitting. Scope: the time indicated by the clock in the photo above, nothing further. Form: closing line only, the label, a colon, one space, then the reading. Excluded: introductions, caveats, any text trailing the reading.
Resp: 1:06
